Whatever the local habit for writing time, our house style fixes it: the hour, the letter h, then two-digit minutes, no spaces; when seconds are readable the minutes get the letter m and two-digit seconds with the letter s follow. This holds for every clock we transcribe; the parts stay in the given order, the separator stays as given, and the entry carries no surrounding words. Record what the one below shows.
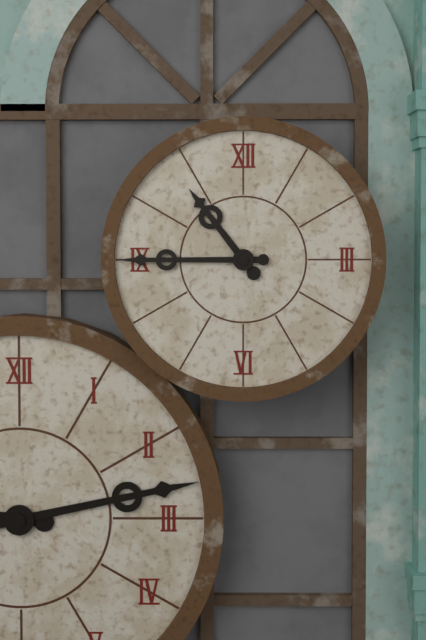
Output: 10h45
